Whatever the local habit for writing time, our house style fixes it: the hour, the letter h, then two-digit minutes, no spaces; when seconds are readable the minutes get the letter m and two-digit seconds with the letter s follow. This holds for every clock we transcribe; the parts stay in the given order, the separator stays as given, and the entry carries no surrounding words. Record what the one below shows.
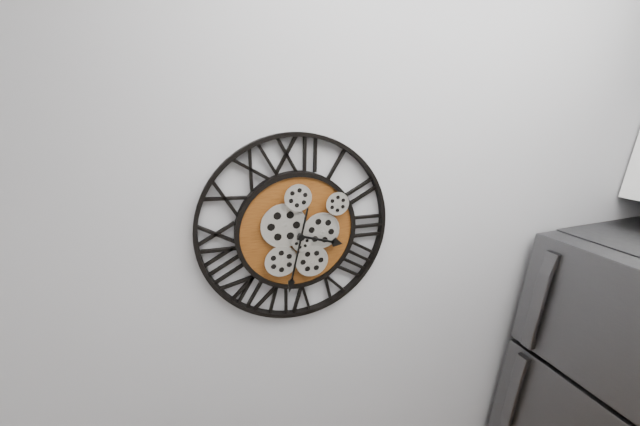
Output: 3h32
